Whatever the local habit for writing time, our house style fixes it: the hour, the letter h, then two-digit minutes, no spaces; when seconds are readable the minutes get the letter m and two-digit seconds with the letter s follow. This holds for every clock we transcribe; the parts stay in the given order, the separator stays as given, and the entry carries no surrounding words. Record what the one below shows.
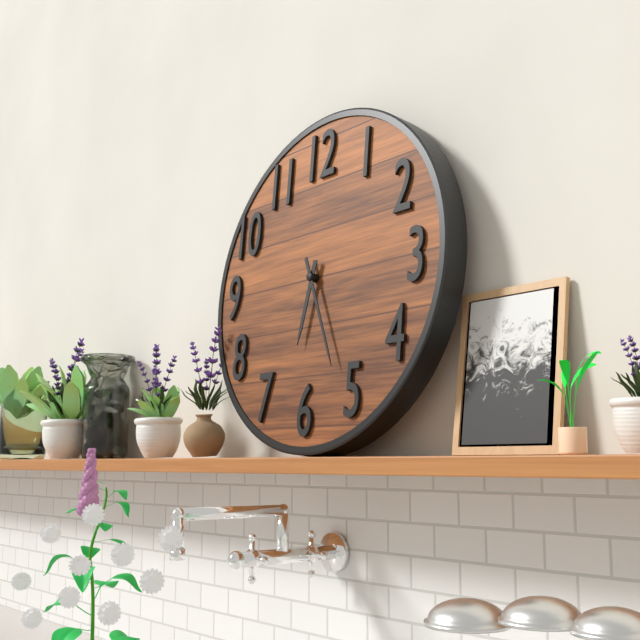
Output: 6h26
